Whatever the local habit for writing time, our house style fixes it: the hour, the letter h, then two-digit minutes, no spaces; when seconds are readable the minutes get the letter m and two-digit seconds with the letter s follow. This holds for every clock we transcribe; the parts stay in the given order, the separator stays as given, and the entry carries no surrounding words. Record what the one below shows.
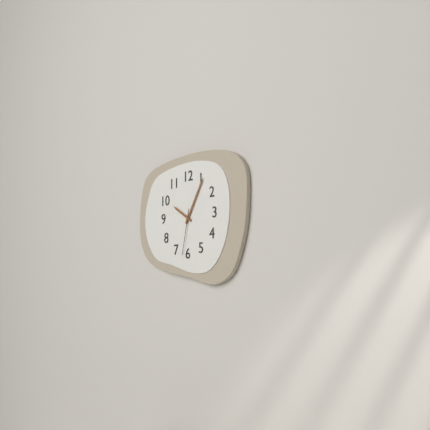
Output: 10h05
